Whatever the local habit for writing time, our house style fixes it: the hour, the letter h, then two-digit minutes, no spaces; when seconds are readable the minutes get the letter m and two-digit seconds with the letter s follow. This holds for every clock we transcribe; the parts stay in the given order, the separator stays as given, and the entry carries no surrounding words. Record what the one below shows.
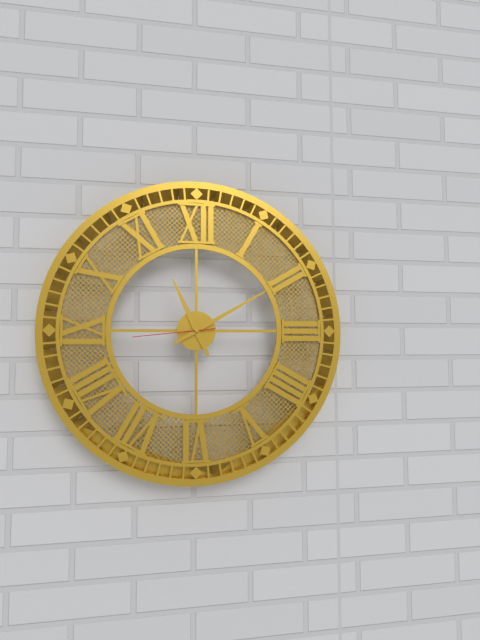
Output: 11h10m44s
